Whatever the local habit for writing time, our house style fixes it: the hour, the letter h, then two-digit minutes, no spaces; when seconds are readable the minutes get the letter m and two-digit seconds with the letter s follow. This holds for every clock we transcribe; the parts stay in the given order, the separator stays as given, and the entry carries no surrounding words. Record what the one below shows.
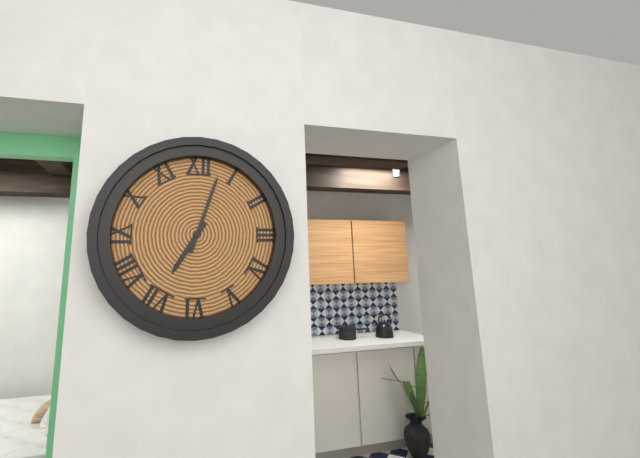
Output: 7h03
